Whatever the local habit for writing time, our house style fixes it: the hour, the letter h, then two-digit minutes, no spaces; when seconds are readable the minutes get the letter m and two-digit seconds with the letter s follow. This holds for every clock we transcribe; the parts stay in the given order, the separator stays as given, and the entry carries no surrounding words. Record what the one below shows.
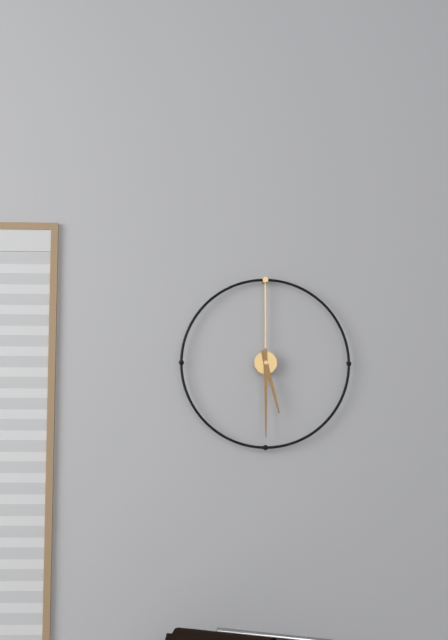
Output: 5h30
